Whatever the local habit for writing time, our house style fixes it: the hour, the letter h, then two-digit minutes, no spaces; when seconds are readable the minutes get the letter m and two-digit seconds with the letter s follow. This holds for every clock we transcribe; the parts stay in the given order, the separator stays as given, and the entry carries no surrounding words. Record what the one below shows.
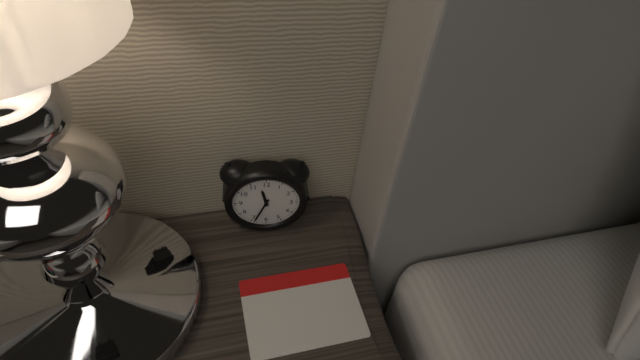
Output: 11h34
